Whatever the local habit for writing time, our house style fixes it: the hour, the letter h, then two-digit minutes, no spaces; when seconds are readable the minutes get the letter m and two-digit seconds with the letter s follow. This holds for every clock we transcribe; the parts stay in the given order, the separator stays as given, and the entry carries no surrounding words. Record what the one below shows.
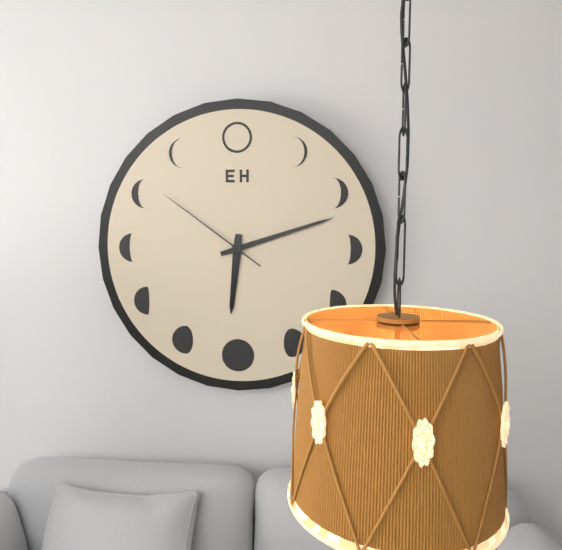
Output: 6h12m51s
